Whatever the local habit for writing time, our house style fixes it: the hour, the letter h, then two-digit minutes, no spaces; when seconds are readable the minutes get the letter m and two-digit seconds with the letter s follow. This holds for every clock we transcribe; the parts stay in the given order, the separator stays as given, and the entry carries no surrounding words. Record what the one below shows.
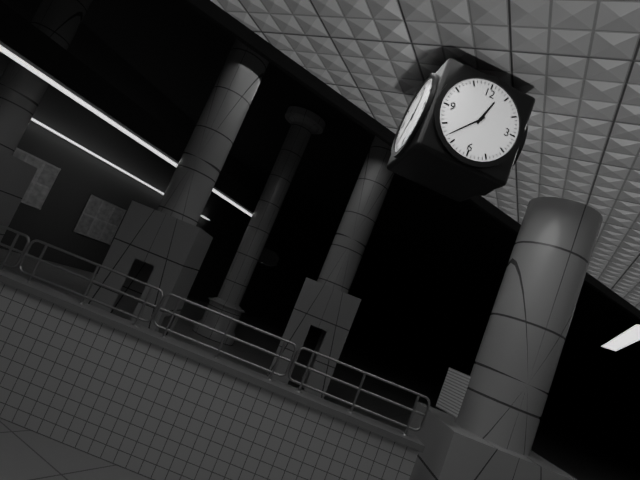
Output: 12h37
